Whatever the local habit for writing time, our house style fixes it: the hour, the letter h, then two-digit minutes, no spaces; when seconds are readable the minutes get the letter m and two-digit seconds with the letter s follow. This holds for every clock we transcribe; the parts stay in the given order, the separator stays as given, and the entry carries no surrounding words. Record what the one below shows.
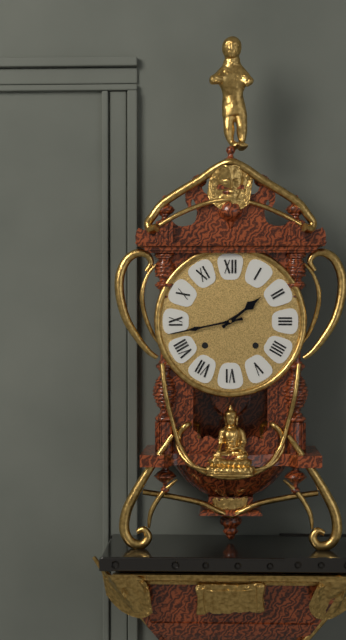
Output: 1h43
